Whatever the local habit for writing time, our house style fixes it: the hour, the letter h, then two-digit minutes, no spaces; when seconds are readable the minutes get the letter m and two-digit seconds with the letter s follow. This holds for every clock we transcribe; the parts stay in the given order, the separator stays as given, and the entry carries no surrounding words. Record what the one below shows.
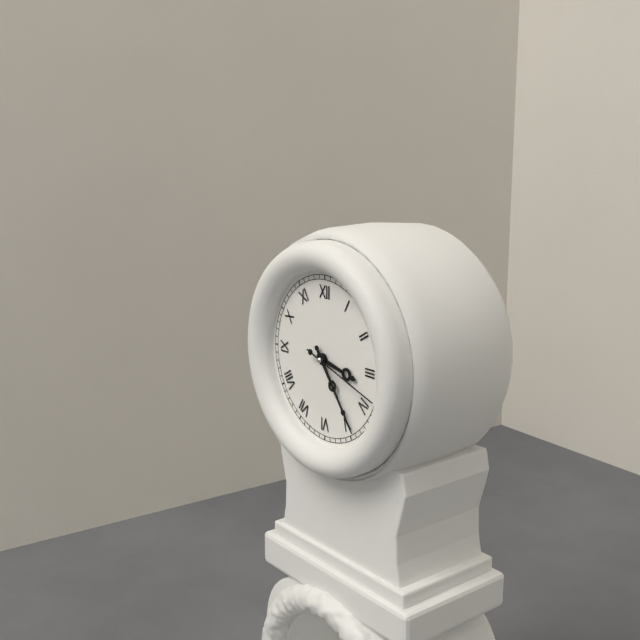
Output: 3h24m18s
